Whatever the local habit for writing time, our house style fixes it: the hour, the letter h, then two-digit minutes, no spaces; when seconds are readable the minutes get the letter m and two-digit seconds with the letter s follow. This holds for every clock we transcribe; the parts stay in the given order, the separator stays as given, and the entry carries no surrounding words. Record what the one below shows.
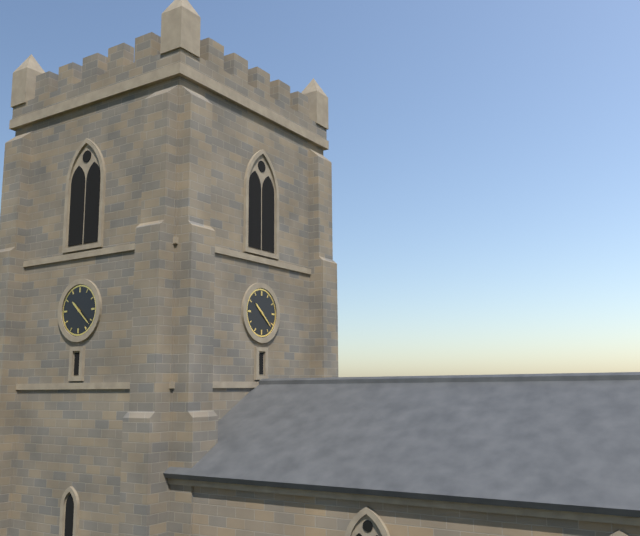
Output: 10h22
